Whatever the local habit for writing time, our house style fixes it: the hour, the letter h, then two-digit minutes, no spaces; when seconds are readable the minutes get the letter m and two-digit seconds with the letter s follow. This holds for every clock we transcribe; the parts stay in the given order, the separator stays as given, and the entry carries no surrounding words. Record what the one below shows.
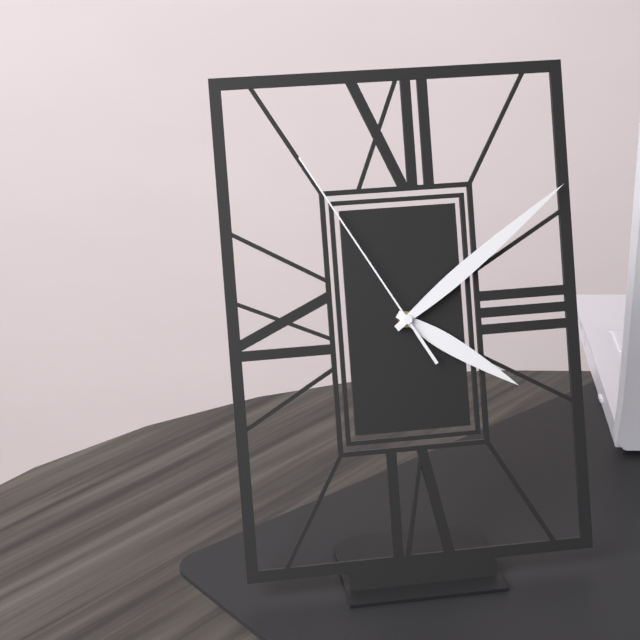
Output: 4h09m55s
